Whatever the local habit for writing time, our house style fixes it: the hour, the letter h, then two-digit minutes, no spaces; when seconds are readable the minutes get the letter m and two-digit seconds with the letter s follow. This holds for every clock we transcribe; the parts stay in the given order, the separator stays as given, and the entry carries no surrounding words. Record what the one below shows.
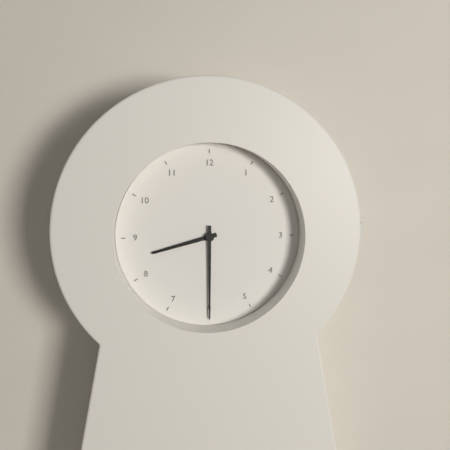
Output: 8h30
